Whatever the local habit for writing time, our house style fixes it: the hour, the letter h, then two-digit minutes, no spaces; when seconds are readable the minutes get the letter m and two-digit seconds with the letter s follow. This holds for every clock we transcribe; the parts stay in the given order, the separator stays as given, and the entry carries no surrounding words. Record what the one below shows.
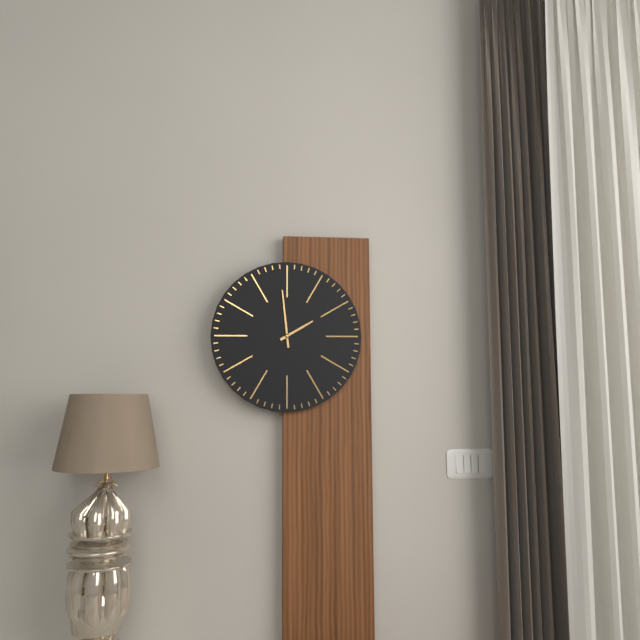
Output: 1h59
